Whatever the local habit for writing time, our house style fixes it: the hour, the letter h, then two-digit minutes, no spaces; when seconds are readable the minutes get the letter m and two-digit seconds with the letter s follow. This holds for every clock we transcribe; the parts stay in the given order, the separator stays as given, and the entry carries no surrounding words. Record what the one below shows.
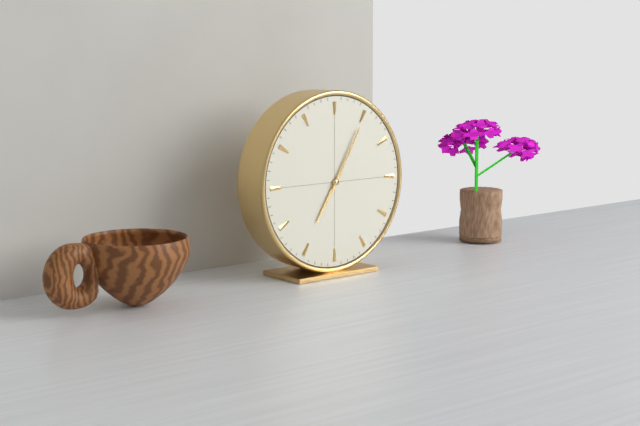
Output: 7h05
